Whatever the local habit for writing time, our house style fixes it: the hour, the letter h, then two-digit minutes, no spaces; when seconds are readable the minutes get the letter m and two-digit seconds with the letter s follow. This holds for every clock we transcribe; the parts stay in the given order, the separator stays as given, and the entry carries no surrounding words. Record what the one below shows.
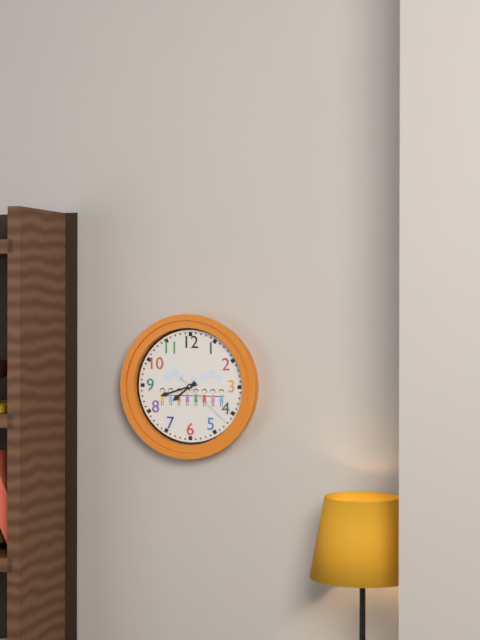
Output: 7h42m22s
